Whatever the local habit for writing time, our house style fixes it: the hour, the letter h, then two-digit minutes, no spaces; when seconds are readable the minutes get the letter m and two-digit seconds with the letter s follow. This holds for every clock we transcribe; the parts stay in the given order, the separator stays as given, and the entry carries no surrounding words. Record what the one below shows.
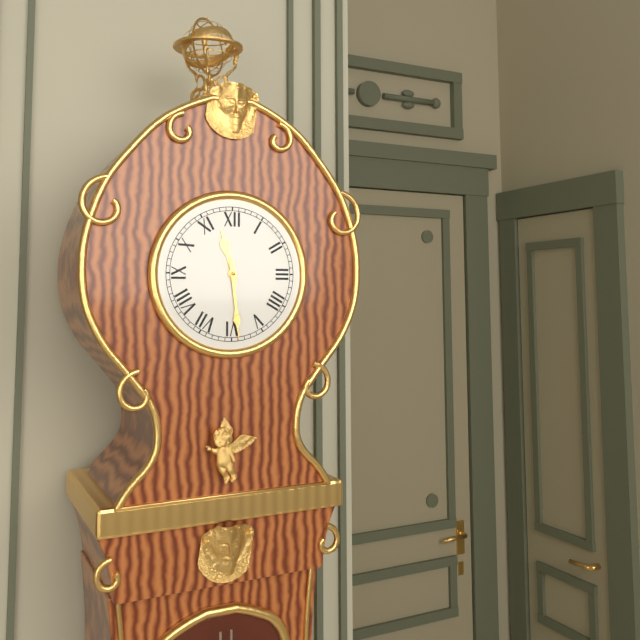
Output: 11h29
